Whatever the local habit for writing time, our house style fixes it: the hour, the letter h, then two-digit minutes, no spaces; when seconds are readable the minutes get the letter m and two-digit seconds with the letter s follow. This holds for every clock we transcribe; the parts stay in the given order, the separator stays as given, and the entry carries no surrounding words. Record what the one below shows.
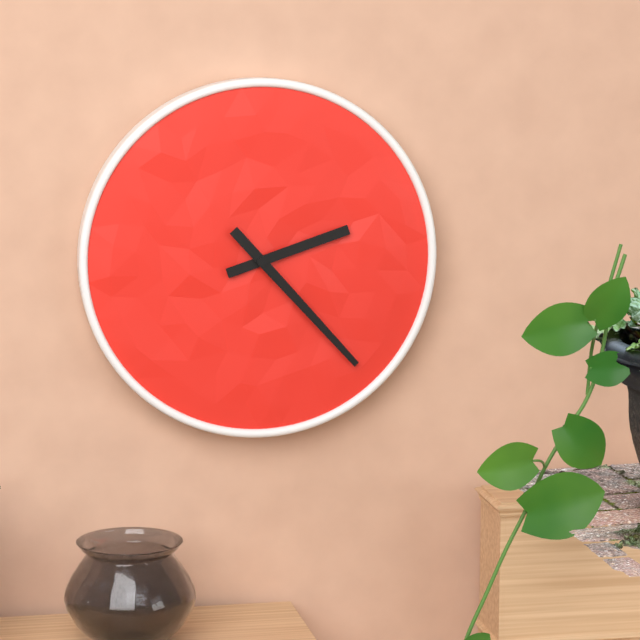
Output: 2h23
